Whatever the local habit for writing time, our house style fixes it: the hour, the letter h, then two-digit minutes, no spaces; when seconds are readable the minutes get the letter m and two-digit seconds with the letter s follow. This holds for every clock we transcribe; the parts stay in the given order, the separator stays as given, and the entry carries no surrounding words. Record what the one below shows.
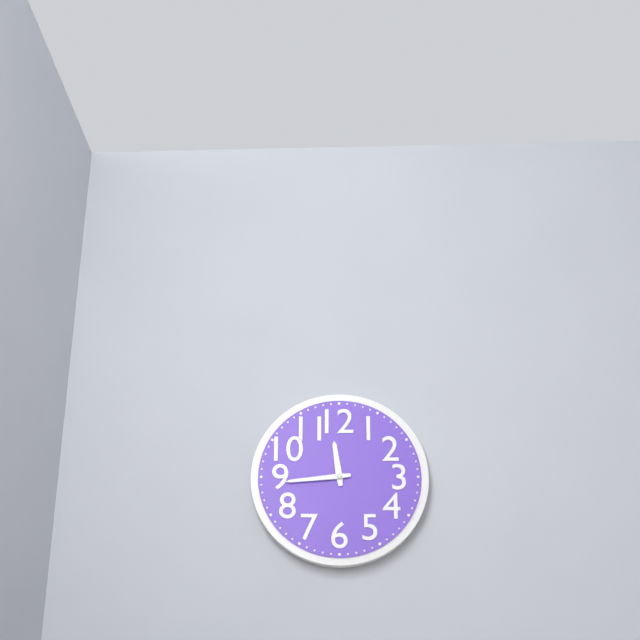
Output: 11h44
